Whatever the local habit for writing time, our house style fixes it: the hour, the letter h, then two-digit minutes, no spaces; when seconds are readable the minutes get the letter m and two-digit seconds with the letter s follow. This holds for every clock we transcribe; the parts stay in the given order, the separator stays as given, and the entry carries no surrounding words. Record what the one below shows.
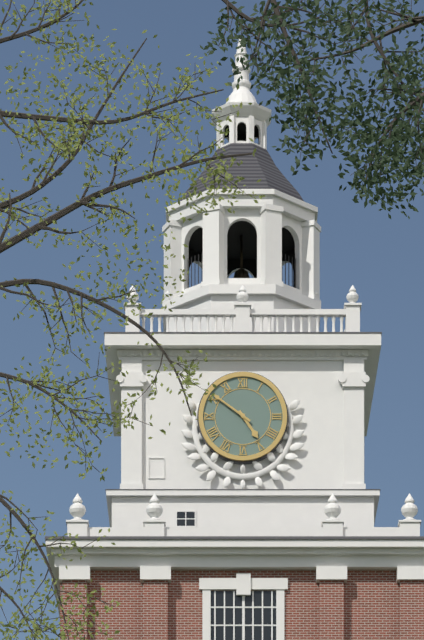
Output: 4h51
